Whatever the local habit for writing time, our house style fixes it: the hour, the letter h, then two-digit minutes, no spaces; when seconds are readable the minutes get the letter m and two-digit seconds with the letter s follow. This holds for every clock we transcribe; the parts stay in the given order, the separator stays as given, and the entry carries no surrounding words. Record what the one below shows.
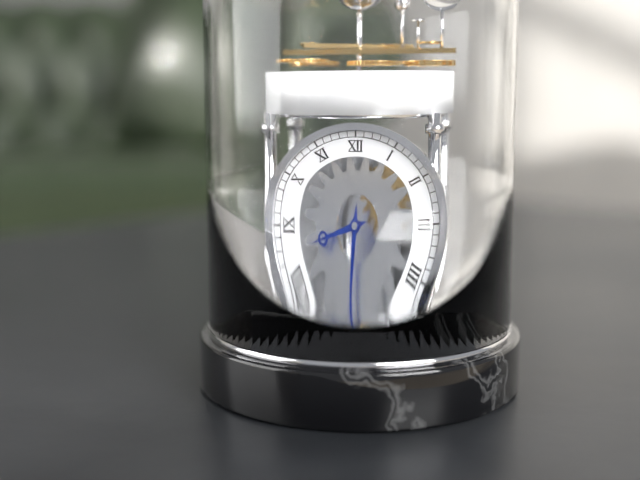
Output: 8h31
